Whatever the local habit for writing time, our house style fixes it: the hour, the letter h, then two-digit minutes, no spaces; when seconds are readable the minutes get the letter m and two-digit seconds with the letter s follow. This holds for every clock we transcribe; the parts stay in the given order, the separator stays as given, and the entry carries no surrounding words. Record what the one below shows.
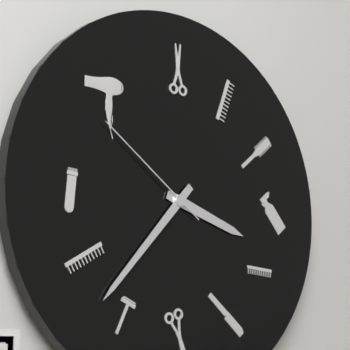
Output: 3h37m51s
